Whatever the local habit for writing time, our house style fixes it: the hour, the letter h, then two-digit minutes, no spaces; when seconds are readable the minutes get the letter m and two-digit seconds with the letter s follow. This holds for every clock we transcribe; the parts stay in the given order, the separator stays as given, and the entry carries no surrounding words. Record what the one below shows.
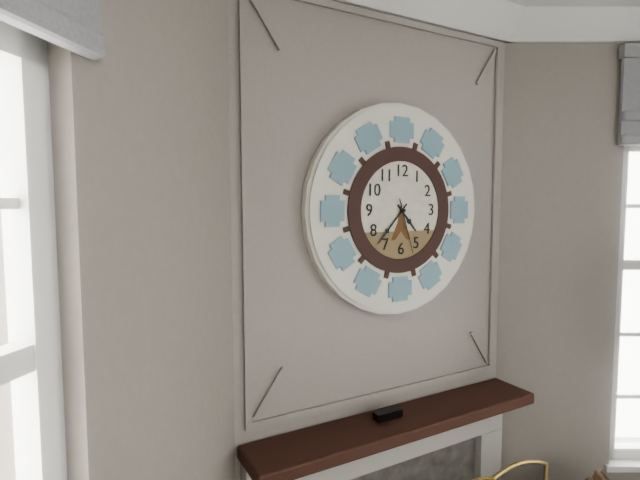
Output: 4h37m27s
